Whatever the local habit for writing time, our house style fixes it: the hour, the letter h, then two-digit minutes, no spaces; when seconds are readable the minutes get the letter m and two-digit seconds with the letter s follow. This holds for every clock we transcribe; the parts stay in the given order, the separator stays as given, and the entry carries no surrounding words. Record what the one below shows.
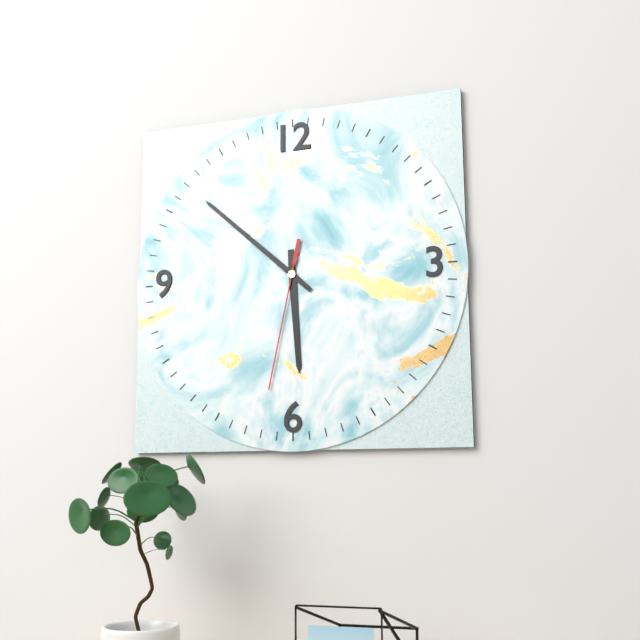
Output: 5h52m32s
